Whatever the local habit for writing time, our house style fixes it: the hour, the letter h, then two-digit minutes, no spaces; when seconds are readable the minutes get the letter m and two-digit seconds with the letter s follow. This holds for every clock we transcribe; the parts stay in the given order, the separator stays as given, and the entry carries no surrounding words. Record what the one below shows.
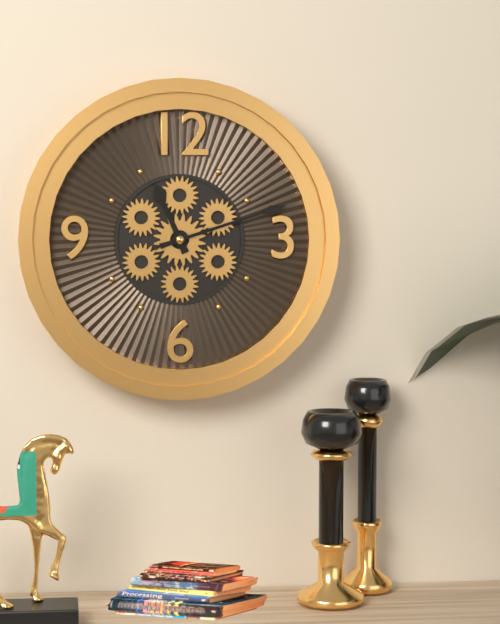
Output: 11h12
